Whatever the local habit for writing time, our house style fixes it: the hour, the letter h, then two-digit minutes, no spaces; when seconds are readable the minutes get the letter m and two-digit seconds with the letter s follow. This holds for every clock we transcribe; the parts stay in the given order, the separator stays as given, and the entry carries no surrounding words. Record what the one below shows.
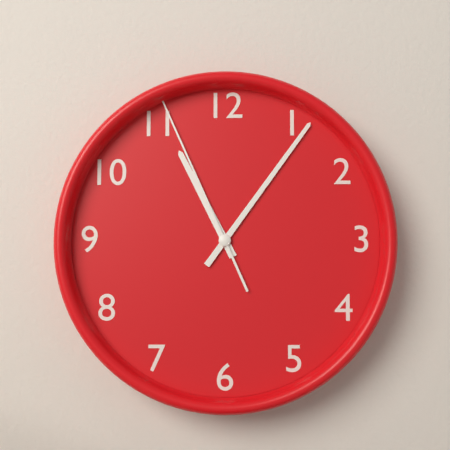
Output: 11h06m56s
